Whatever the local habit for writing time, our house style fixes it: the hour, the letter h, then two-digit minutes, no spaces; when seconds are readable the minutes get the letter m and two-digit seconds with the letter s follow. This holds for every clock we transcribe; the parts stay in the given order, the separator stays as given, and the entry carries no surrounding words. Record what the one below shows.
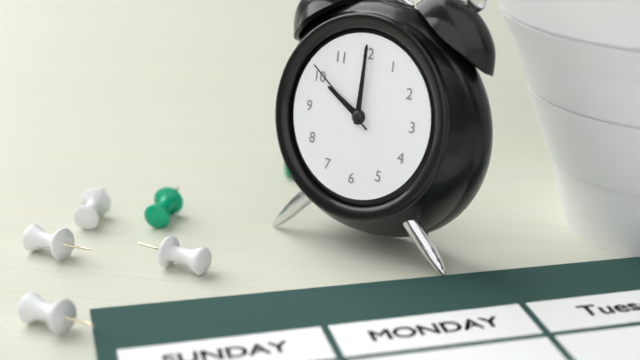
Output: 10h00m51s
